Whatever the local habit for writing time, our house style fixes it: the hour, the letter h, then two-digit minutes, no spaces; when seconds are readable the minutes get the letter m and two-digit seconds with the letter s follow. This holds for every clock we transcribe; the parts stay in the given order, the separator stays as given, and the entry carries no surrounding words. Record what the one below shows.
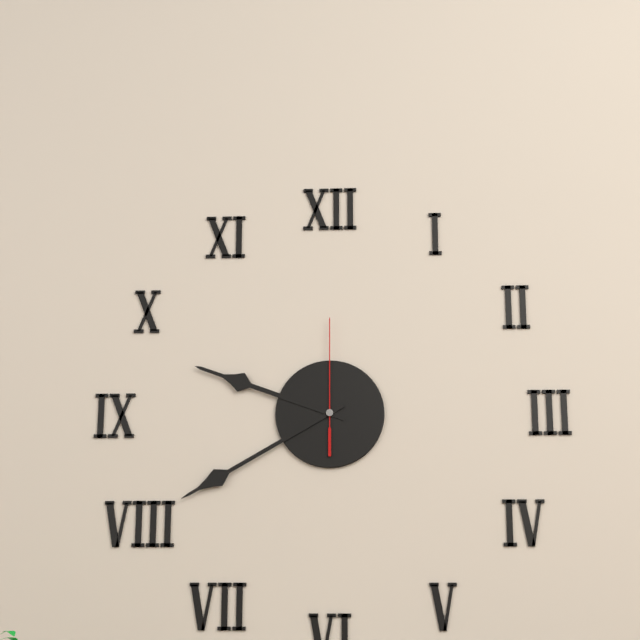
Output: 9h40m00s
